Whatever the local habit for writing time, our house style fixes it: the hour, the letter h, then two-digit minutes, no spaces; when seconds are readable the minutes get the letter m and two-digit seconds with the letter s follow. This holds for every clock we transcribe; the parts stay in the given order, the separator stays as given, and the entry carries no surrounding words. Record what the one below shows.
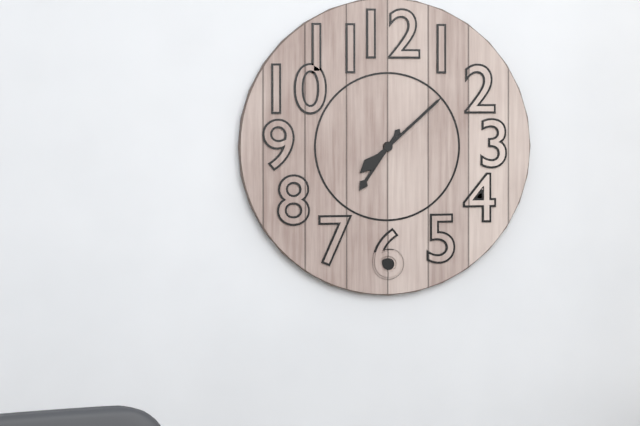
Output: 7h08
